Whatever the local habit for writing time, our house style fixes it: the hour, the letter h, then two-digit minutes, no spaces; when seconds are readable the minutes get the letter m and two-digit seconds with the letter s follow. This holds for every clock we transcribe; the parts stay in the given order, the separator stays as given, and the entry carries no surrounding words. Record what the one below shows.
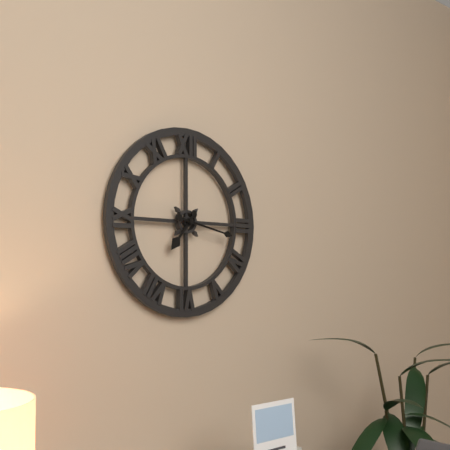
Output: 7h17
